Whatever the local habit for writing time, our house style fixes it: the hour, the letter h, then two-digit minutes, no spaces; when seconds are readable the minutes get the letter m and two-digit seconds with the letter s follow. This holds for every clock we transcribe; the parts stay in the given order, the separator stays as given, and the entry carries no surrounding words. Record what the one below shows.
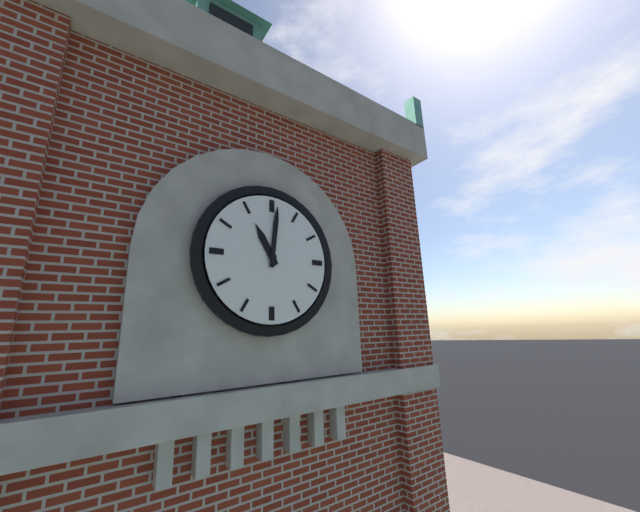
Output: 11h01
